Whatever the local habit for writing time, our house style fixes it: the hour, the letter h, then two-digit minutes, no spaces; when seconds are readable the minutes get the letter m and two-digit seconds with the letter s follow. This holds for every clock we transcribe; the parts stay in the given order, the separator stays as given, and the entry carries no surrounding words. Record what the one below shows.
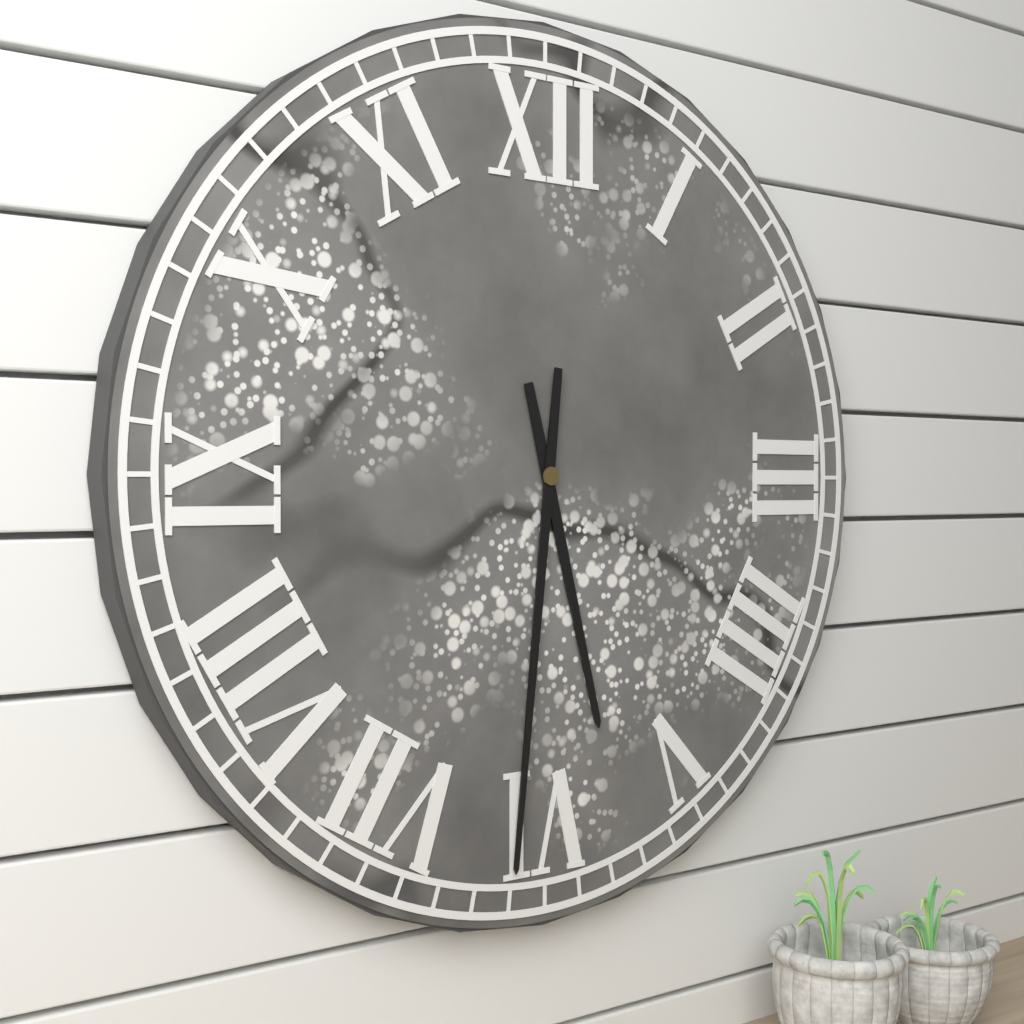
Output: 5h31
